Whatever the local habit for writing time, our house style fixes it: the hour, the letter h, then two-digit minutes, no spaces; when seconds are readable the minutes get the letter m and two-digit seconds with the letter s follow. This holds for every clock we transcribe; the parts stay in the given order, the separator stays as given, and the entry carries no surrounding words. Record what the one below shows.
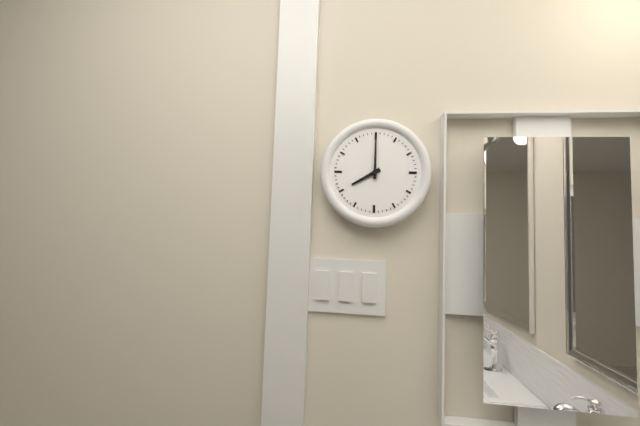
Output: 8h00
